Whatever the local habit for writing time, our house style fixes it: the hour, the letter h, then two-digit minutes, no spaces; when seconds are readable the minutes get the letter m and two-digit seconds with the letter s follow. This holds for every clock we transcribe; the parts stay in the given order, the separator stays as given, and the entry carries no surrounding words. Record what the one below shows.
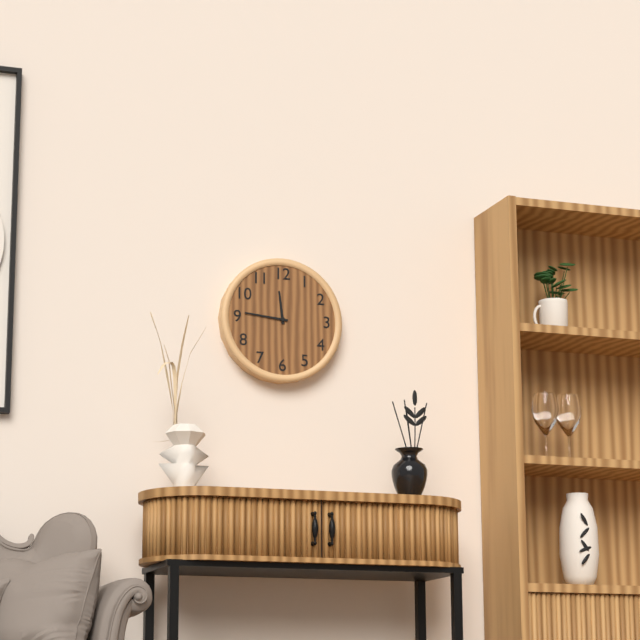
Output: 11h46
